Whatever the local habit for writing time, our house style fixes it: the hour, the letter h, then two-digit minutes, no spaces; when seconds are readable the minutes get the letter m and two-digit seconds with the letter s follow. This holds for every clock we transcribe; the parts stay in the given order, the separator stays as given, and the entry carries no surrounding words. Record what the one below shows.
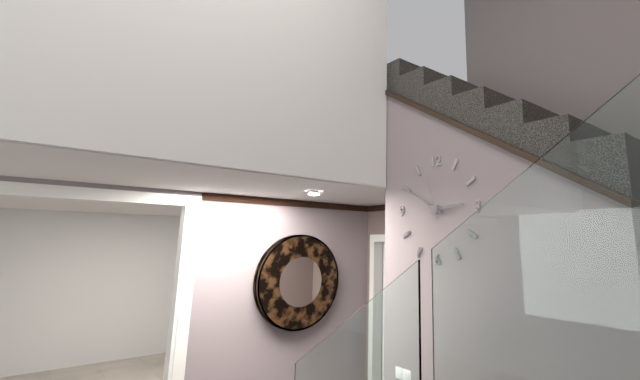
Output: 2h50
